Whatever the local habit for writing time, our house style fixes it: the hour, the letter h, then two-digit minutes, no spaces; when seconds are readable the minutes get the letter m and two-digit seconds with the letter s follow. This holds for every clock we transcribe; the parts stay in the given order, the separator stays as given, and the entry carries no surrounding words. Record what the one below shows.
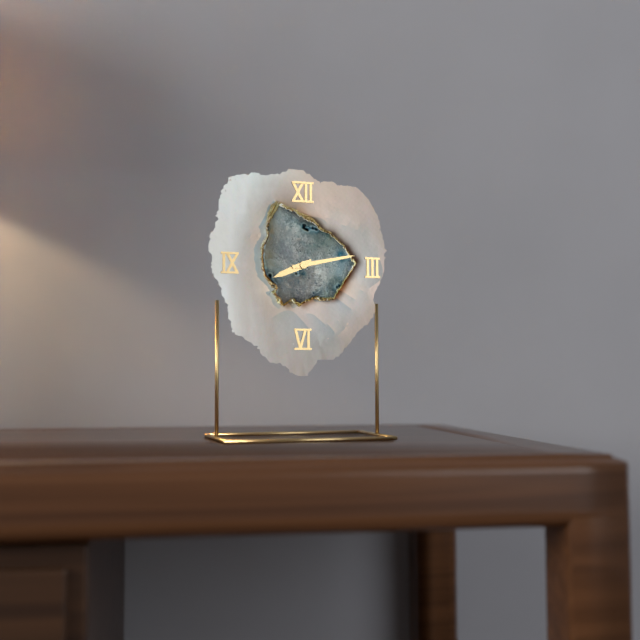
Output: 8h13
